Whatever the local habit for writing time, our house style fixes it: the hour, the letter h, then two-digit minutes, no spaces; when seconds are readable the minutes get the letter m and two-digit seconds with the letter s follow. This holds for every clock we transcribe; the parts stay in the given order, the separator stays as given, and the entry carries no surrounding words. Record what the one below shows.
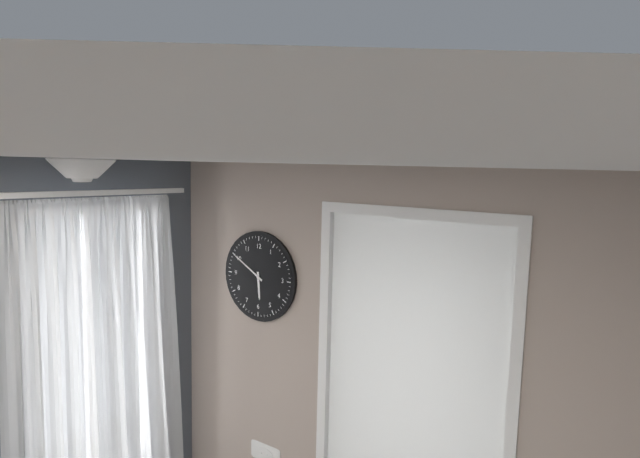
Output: 5h50
